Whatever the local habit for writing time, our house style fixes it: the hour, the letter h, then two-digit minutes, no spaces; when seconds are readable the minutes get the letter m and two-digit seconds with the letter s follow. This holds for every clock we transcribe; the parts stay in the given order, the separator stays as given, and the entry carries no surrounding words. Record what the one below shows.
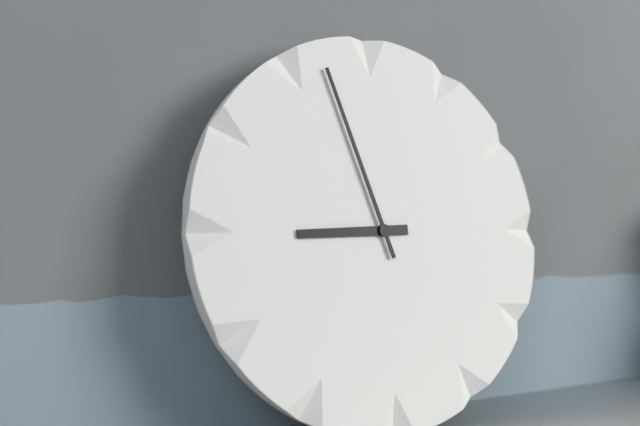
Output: 8h57
